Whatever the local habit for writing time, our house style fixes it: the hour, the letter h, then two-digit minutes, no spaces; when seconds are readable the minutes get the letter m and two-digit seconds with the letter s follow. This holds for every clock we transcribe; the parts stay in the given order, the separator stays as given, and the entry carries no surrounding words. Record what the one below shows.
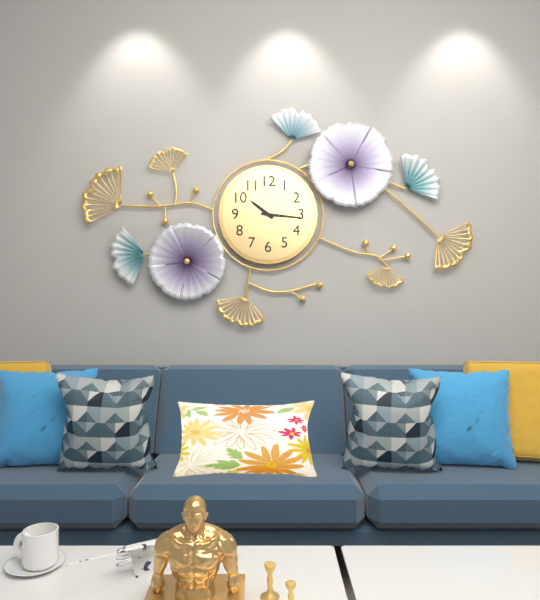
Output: 10h16
